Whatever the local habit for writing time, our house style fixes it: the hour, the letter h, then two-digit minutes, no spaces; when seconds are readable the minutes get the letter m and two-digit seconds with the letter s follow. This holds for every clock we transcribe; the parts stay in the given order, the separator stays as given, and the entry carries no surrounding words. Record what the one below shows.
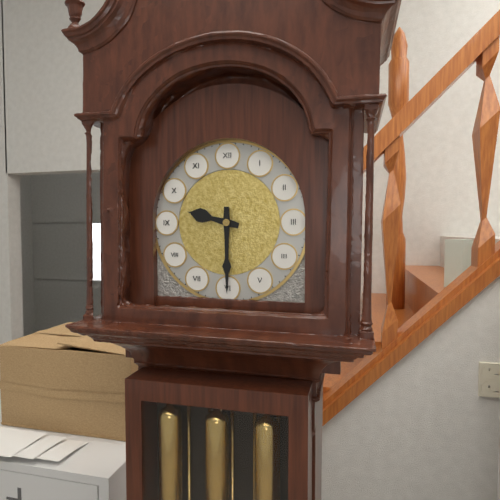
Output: 9h30
